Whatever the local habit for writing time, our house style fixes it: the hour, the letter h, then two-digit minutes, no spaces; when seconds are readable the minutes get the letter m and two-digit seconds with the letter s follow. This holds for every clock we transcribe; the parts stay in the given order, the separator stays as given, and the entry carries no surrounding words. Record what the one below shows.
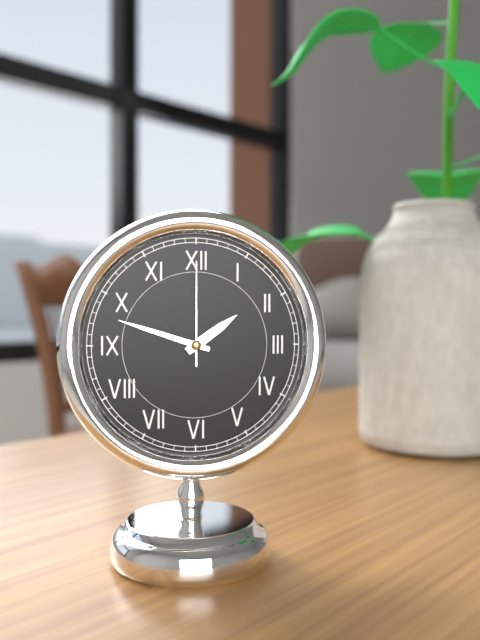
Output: 1h48m00s
